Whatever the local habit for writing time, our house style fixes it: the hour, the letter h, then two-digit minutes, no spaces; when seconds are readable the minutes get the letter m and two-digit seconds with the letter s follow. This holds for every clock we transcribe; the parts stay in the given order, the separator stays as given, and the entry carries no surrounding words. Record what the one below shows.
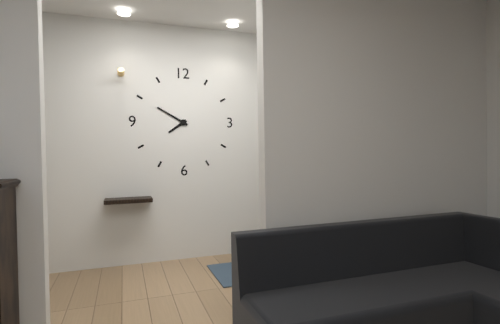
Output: 7h50
